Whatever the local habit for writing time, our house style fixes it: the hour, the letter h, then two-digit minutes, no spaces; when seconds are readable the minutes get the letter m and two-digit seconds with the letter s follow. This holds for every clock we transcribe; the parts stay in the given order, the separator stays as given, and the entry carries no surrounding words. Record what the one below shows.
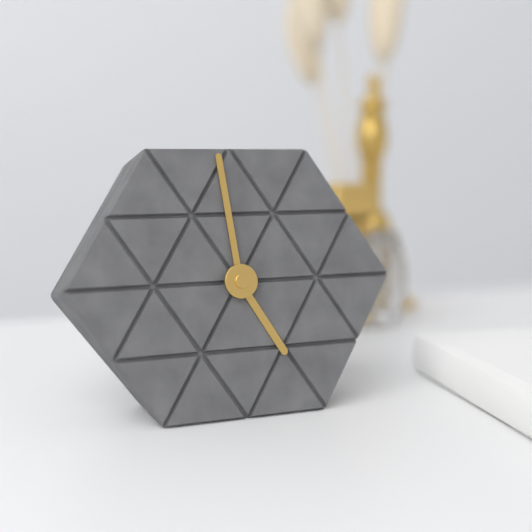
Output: 4h59
